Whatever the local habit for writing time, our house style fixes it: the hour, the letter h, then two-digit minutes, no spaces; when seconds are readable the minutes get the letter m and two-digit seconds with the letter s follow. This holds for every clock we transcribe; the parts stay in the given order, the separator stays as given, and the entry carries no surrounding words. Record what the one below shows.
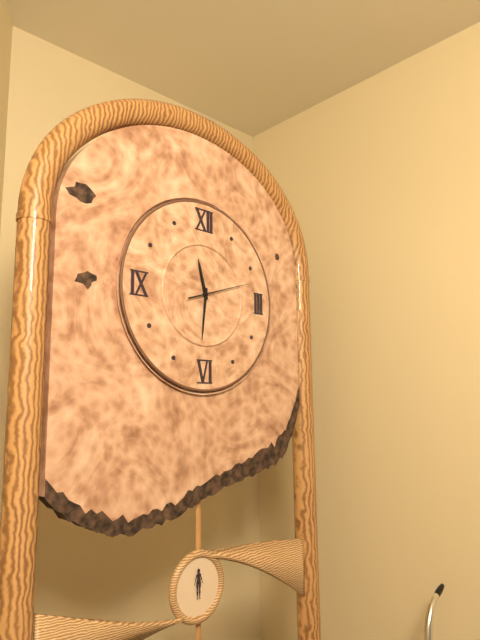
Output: 11h31m12s
